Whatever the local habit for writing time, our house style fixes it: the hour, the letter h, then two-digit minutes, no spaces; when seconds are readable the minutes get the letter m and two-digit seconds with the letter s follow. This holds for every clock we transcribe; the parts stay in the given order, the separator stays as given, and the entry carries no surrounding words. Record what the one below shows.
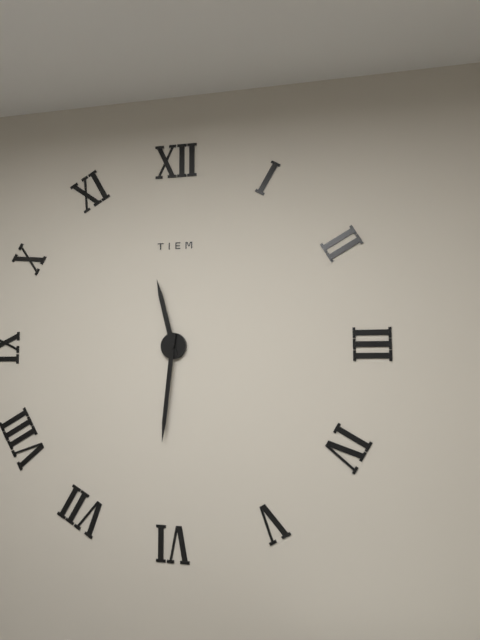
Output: 11h31
